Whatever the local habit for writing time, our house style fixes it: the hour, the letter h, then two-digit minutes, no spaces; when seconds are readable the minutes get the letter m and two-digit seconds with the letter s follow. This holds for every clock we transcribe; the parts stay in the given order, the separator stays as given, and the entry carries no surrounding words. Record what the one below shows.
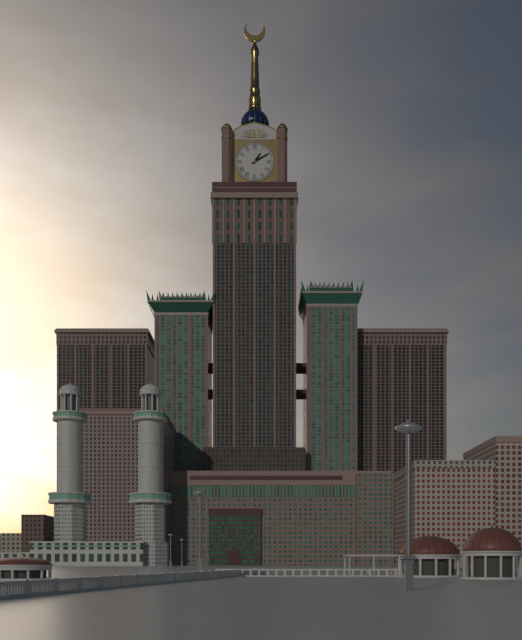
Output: 1h10
